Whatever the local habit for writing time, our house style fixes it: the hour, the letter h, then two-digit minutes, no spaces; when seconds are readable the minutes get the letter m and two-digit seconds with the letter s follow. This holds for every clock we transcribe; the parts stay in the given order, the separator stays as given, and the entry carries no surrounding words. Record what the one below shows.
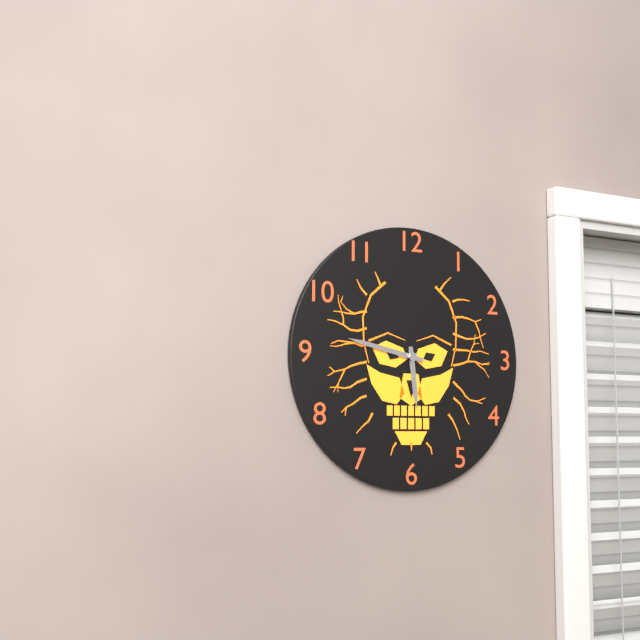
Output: 5h47
